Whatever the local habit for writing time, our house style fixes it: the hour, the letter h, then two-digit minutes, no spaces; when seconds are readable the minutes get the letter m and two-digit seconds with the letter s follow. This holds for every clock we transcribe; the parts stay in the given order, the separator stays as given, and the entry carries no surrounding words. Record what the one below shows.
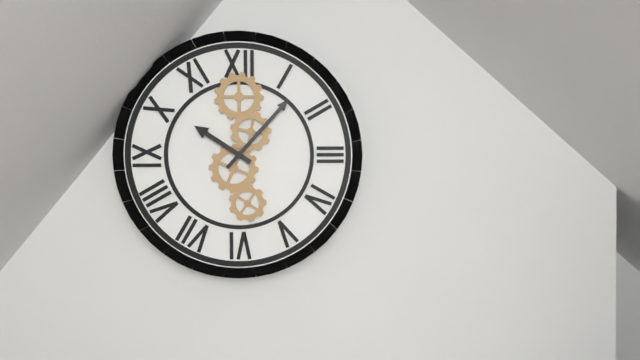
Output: 10h07
